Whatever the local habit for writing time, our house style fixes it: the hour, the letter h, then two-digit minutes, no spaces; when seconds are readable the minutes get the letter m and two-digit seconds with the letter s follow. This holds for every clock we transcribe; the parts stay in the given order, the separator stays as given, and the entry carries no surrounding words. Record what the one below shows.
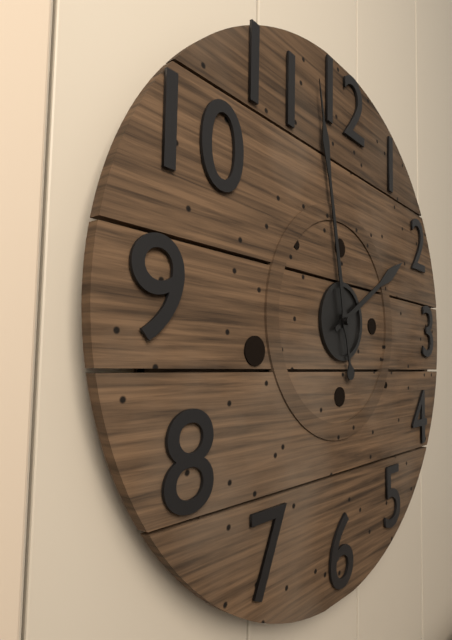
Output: 1h58
